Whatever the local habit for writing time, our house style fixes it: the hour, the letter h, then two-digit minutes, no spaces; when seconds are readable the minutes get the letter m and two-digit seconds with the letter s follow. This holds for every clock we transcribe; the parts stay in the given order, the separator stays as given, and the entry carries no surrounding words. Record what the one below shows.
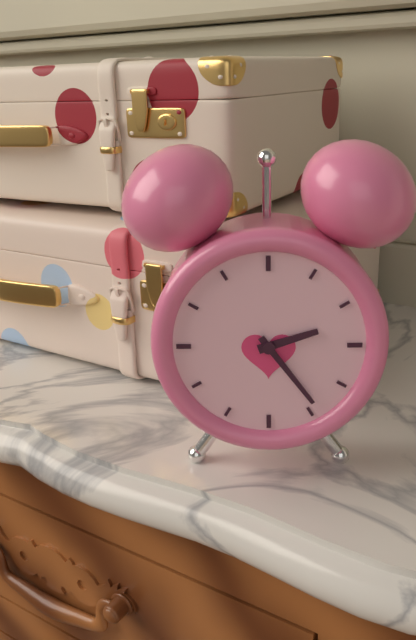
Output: 2h24
